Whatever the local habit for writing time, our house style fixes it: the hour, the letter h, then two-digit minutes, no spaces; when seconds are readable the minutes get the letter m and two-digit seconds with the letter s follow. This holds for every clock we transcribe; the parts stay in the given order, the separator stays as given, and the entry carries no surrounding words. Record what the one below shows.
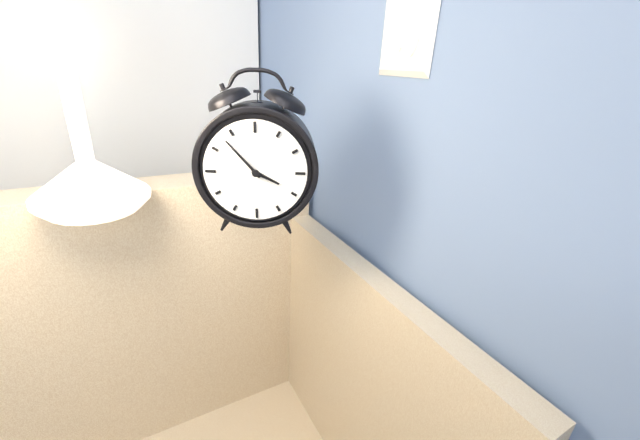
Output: 3h53
